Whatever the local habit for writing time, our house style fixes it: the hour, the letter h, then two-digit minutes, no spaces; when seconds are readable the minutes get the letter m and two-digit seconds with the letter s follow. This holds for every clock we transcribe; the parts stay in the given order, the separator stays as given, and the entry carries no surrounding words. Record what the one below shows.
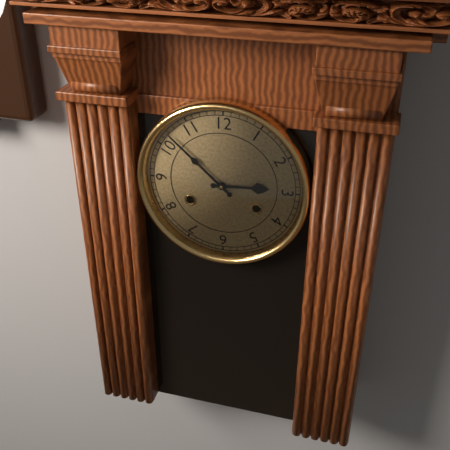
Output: 2h52
